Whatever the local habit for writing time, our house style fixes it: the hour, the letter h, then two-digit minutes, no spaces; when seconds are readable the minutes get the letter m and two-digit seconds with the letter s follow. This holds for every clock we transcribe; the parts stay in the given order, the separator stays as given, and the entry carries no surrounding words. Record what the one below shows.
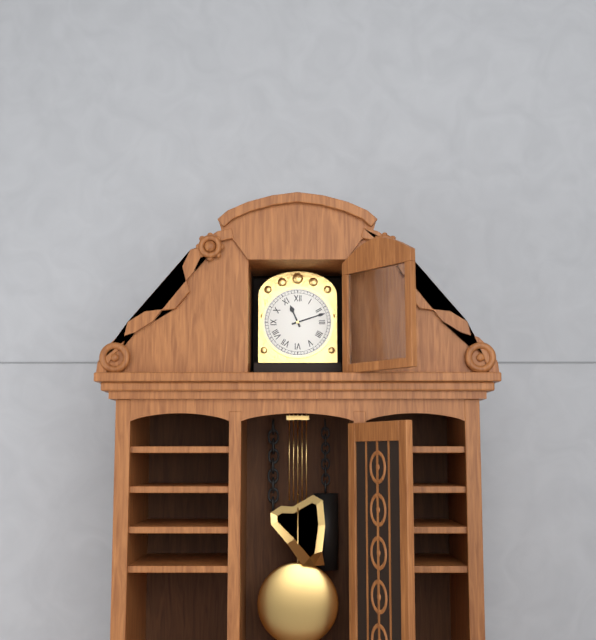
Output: 11h12
